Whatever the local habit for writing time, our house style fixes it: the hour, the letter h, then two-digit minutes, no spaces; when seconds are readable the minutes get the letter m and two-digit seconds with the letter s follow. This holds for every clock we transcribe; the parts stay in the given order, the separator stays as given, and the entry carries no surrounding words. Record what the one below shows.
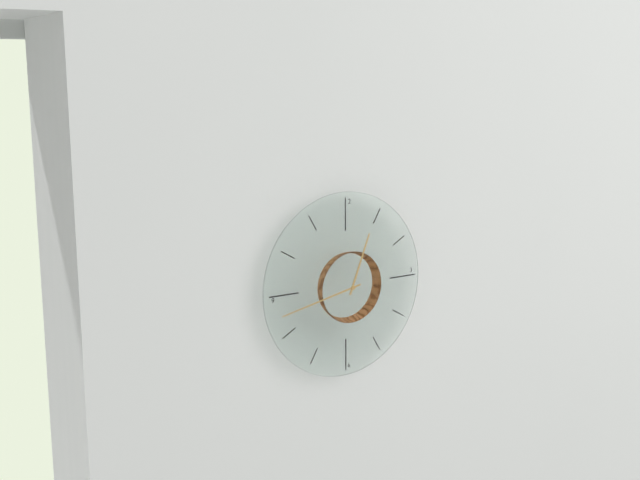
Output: 12h43
